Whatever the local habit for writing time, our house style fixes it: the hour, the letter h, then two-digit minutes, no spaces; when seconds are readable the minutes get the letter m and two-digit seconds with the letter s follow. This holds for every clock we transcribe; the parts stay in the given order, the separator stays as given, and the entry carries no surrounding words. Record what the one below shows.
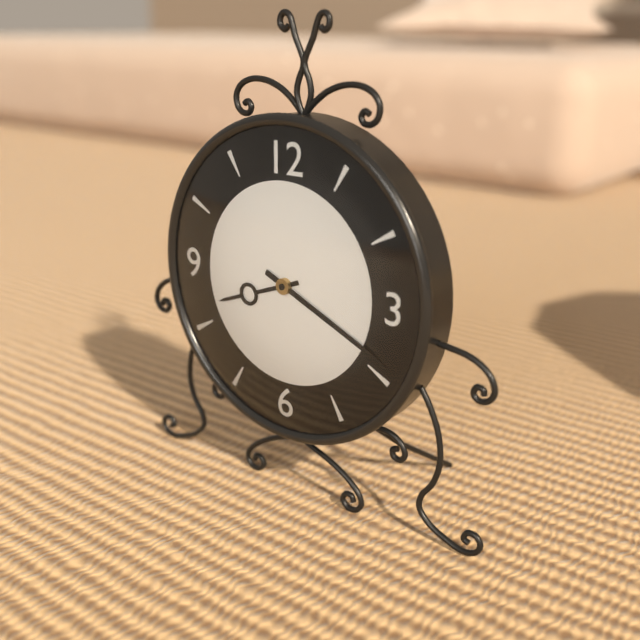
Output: 8h19
